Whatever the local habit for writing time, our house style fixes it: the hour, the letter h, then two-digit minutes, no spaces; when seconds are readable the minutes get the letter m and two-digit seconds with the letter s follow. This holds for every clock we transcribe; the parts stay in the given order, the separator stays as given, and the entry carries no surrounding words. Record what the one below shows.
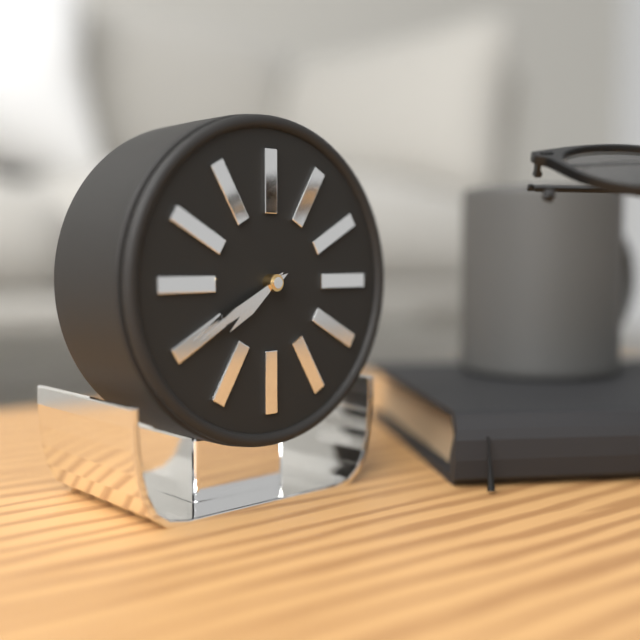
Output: 7h40
